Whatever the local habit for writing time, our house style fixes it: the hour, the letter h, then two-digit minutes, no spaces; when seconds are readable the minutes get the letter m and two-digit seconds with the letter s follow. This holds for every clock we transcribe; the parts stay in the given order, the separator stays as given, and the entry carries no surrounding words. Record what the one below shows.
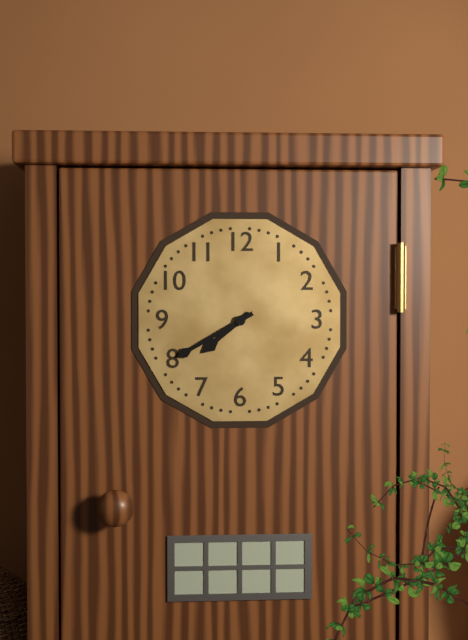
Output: 7h40
